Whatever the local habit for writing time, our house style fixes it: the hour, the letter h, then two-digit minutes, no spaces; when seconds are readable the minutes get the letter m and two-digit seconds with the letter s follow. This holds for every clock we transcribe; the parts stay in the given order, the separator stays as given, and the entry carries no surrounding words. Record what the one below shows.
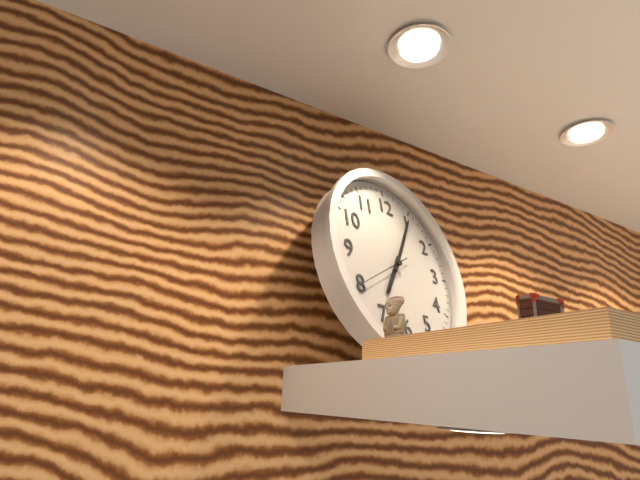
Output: 7h05m40s
